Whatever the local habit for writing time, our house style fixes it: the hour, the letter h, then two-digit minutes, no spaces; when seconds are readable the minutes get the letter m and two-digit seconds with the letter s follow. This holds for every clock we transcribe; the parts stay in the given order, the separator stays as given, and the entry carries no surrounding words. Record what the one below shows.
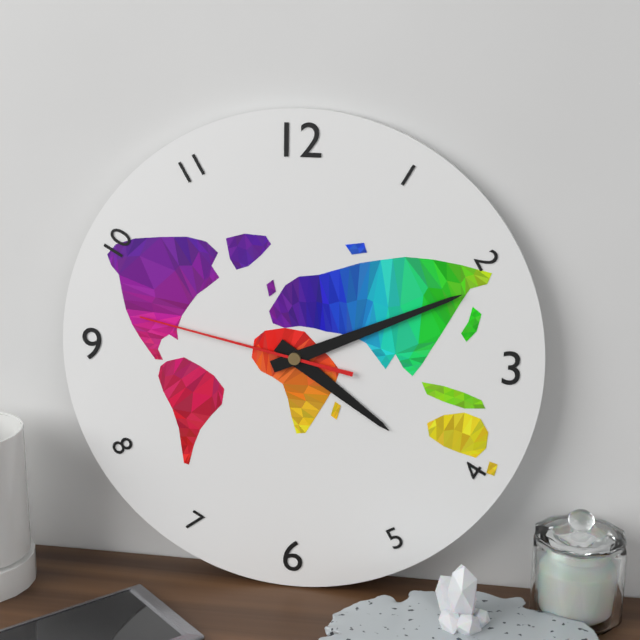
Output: 4h11m47s
